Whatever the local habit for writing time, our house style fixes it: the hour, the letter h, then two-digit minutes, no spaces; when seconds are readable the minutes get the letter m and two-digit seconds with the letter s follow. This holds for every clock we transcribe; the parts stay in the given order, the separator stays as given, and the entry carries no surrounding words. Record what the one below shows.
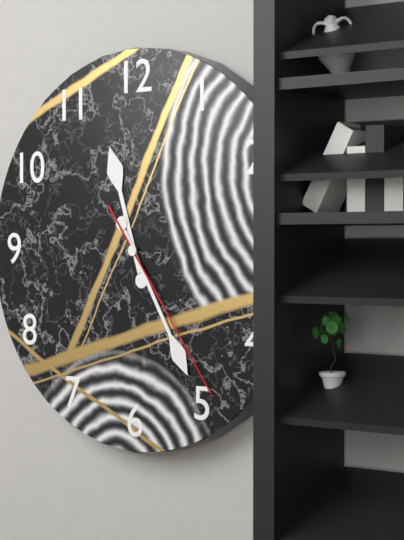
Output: 11h25m24s
